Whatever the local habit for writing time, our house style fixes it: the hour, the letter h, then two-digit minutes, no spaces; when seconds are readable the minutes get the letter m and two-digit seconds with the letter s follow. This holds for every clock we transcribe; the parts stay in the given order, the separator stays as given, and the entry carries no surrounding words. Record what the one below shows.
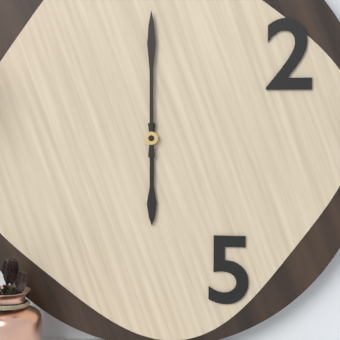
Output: 6h00
